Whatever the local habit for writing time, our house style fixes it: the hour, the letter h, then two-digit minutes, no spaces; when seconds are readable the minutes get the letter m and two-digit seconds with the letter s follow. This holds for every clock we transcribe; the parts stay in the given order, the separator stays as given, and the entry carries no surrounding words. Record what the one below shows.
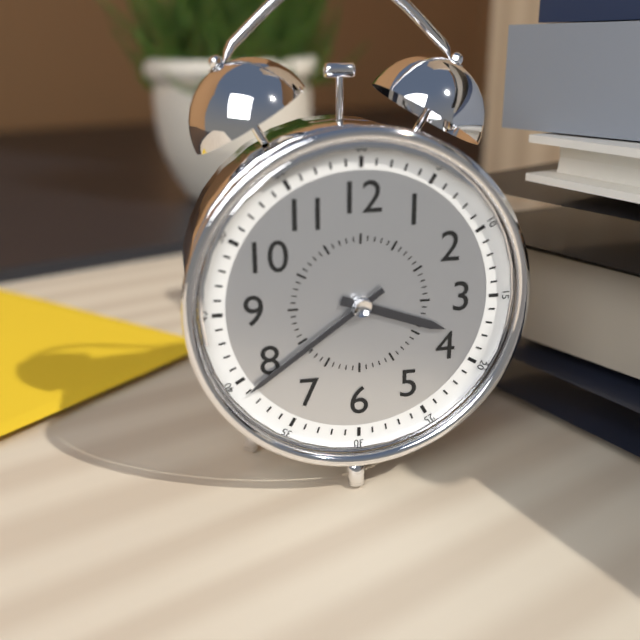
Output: 3h39
